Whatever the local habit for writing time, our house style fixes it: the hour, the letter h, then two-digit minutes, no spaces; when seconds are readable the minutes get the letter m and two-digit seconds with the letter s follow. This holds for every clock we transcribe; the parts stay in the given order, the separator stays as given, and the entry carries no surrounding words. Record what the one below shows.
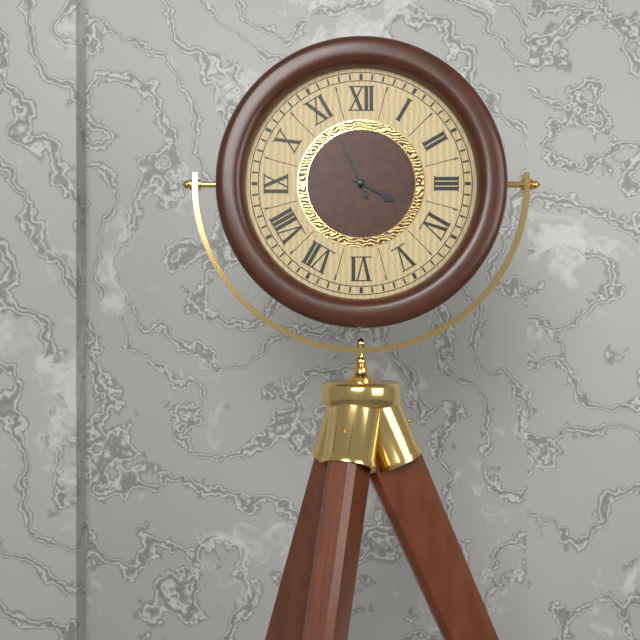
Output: 3h56
